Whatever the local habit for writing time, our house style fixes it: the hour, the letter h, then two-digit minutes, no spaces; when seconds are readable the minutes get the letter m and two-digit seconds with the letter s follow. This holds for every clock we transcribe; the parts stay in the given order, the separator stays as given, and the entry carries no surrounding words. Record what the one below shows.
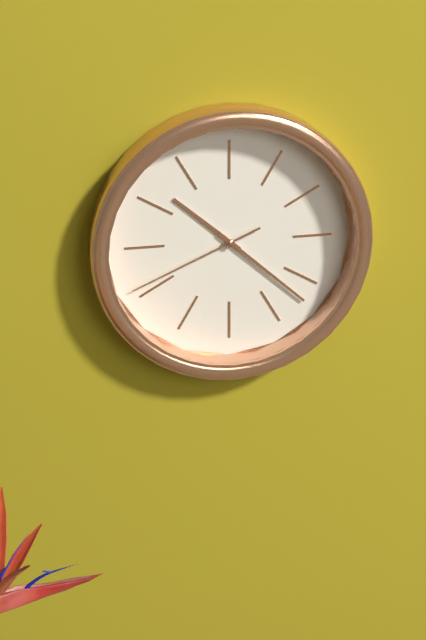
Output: 10h22m41s
